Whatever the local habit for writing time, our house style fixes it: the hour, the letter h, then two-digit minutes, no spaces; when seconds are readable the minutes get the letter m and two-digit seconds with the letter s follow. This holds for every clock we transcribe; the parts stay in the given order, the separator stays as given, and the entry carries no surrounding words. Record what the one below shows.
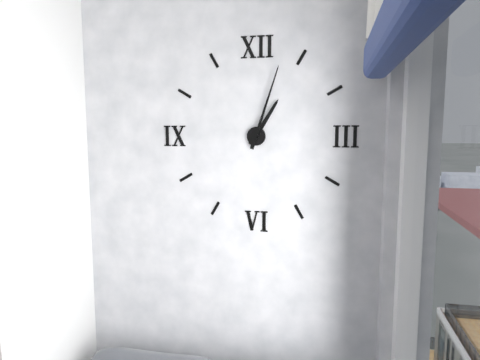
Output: 1h03
